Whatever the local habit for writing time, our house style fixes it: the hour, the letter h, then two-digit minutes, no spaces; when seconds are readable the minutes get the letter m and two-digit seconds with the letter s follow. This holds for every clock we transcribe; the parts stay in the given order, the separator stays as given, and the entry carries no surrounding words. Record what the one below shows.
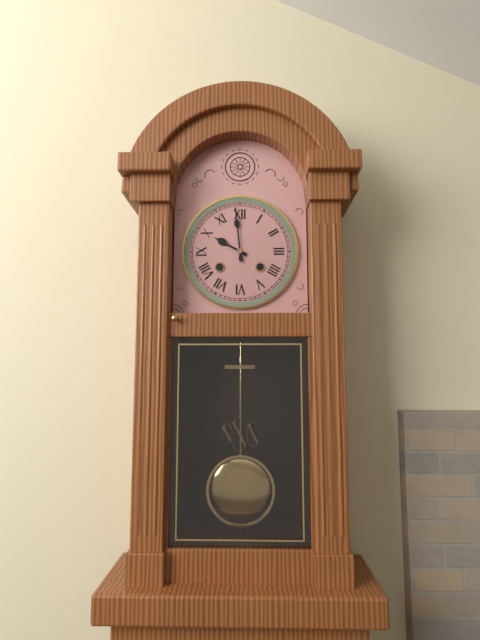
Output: 9h59
